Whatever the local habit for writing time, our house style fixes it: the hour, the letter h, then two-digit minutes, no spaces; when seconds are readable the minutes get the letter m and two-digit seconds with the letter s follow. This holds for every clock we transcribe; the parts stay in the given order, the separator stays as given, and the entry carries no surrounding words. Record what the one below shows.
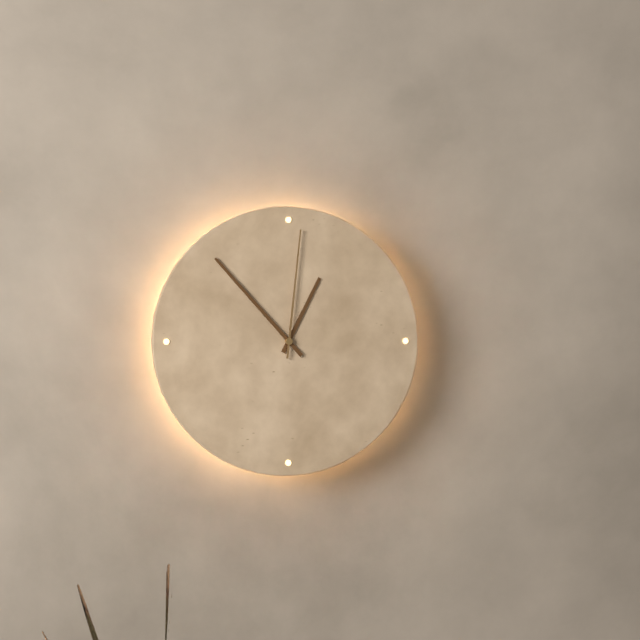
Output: 12h53m01s
